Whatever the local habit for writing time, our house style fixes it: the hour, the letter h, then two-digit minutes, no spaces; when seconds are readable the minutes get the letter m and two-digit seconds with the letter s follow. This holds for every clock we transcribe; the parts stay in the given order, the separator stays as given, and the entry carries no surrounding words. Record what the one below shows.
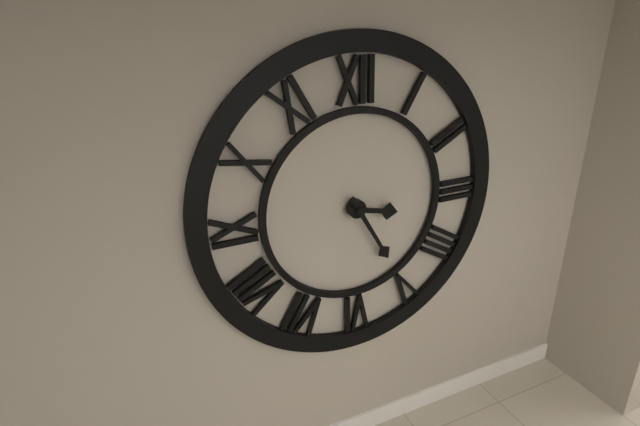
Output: 3h25
